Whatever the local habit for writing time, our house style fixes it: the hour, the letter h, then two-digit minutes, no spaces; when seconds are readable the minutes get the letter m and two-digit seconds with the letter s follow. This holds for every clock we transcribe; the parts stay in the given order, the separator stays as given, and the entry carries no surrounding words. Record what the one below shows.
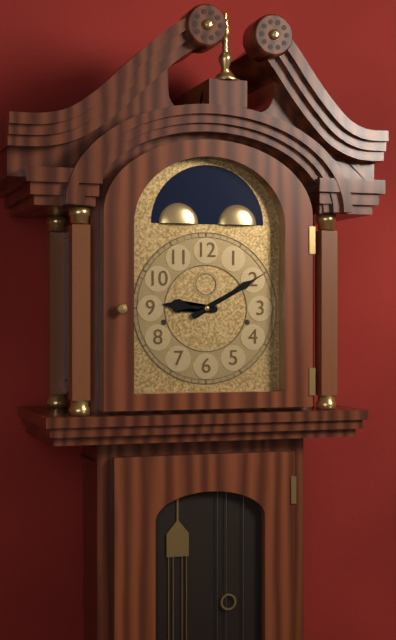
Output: 9h10
